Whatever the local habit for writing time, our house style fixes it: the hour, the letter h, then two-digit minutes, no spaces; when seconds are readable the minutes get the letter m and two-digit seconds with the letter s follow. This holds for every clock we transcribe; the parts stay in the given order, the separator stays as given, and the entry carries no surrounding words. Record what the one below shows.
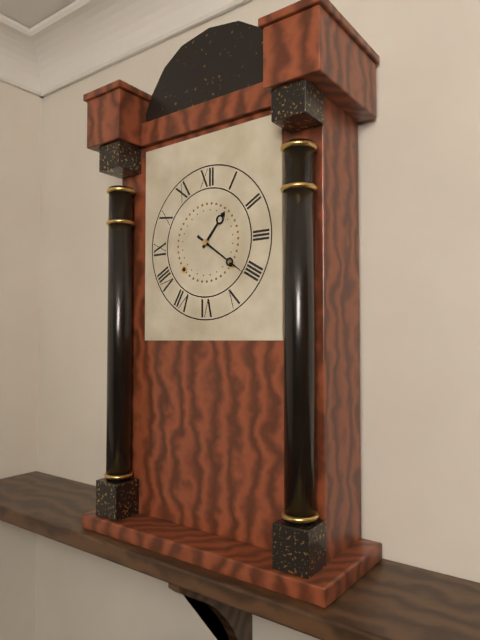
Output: 1h21
